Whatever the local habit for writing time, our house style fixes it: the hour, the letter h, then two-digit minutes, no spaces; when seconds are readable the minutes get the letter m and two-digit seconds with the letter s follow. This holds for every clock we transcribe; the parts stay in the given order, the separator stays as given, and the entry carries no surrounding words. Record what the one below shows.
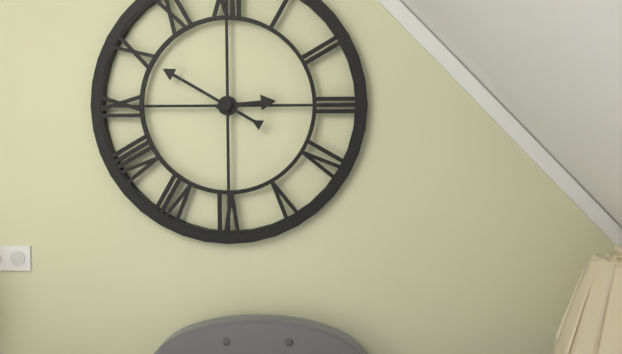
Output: 2h50
